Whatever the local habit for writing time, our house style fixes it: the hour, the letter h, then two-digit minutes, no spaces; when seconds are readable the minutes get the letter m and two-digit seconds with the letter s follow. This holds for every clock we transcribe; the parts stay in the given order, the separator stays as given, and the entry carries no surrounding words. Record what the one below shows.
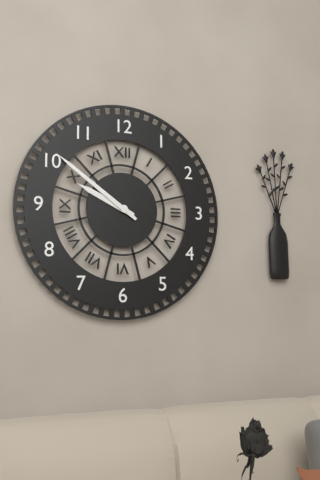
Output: 9h51
